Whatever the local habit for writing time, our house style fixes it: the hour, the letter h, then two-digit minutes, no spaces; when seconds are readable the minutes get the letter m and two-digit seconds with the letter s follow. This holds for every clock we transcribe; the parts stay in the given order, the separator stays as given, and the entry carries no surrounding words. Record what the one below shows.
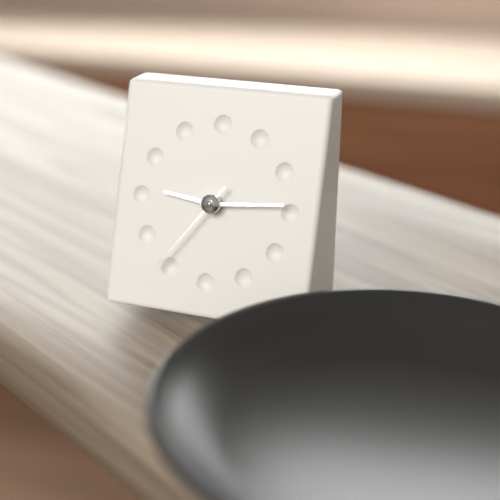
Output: 9h14m36s
